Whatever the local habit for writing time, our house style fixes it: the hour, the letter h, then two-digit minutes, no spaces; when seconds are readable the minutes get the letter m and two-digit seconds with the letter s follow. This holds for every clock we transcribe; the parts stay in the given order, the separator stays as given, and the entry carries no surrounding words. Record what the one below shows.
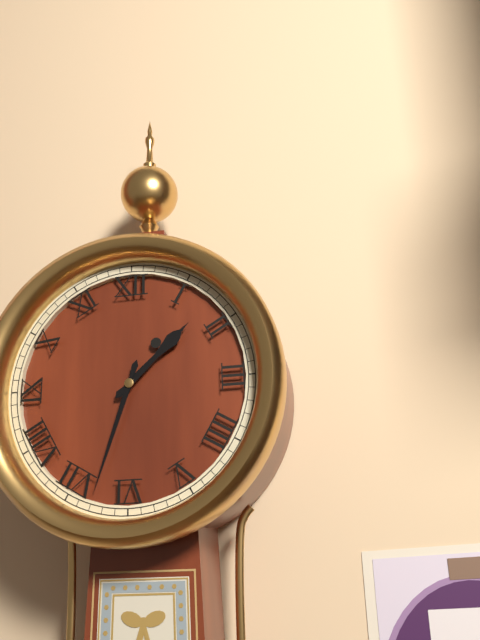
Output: 1h33
